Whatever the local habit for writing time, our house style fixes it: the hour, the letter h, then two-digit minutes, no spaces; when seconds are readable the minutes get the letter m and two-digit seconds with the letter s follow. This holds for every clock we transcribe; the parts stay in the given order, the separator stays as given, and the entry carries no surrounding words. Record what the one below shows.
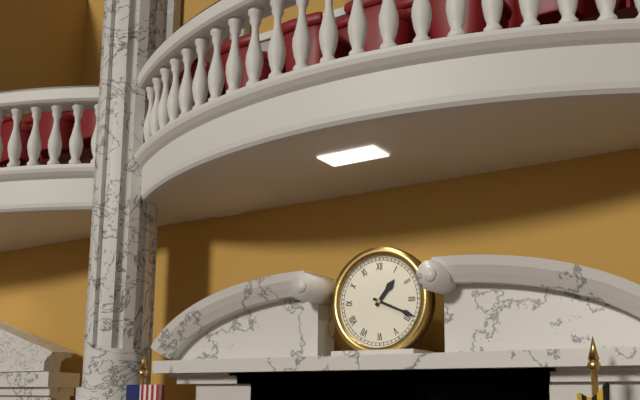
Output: 1h19
